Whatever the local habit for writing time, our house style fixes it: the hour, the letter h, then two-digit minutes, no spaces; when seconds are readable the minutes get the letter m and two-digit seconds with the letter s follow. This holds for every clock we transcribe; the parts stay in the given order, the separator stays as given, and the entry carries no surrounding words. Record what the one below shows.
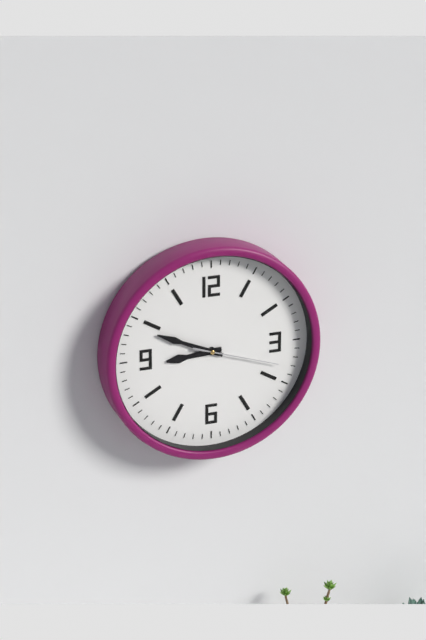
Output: 8h49m18s
